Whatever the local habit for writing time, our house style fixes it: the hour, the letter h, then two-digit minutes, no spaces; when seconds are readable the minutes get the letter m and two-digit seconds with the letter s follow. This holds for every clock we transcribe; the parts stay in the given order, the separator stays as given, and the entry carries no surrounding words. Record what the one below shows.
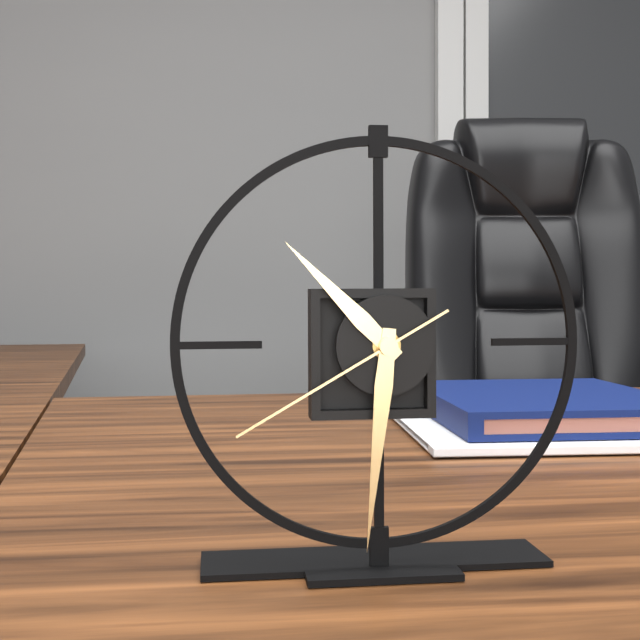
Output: 10h31m40s
